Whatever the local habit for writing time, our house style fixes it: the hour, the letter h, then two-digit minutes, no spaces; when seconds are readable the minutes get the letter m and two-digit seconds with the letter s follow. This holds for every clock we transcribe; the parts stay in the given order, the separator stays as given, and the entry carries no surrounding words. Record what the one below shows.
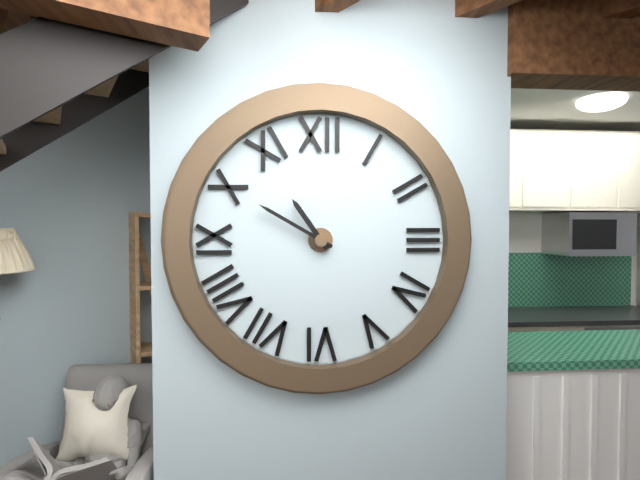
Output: 10h50
